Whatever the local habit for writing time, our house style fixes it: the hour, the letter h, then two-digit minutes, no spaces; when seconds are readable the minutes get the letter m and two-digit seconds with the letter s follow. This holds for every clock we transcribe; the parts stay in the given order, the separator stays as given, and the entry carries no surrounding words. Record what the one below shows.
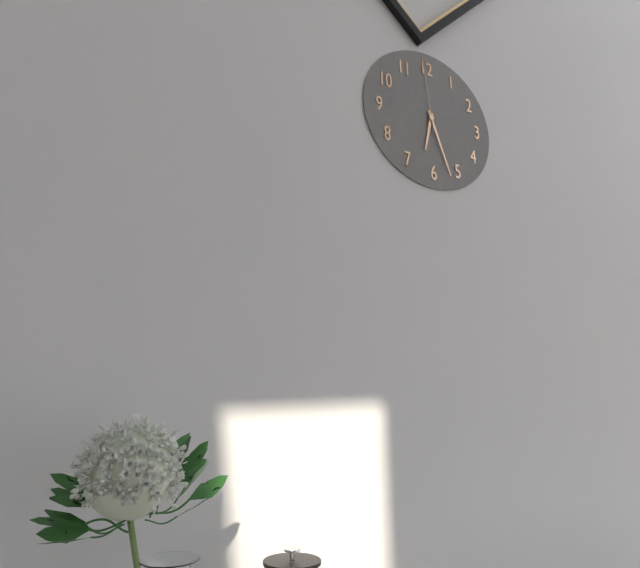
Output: 6h27m59s
